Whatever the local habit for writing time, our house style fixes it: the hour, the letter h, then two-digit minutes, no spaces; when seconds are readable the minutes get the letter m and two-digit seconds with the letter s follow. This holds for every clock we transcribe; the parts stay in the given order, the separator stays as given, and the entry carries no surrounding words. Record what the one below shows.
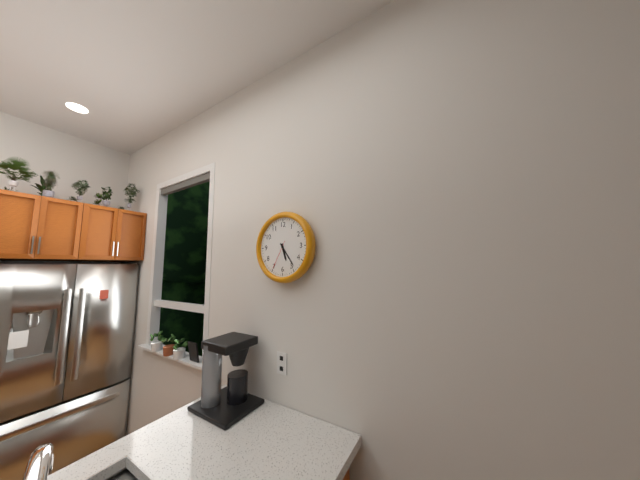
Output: 5h24
